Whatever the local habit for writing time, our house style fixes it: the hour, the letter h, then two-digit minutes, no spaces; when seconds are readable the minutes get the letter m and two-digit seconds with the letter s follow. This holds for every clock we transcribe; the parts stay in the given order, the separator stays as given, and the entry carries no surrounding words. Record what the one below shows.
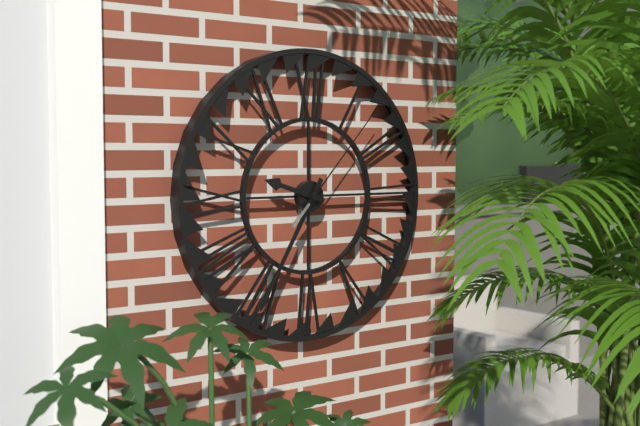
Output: 9h35m07s
